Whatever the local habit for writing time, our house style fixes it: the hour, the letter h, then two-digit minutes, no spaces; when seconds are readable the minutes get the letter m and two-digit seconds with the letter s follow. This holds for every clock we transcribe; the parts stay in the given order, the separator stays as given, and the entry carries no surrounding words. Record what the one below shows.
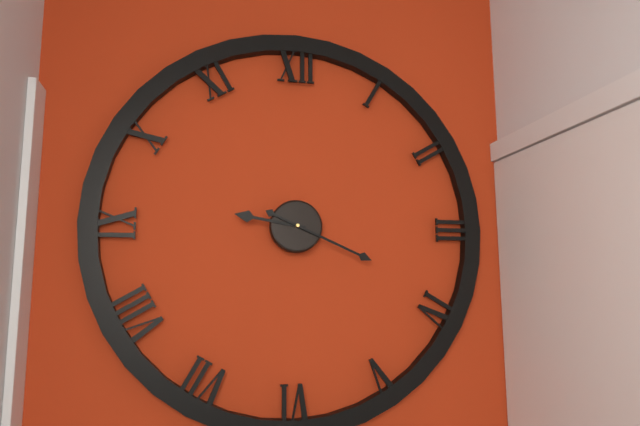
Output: 9h19
